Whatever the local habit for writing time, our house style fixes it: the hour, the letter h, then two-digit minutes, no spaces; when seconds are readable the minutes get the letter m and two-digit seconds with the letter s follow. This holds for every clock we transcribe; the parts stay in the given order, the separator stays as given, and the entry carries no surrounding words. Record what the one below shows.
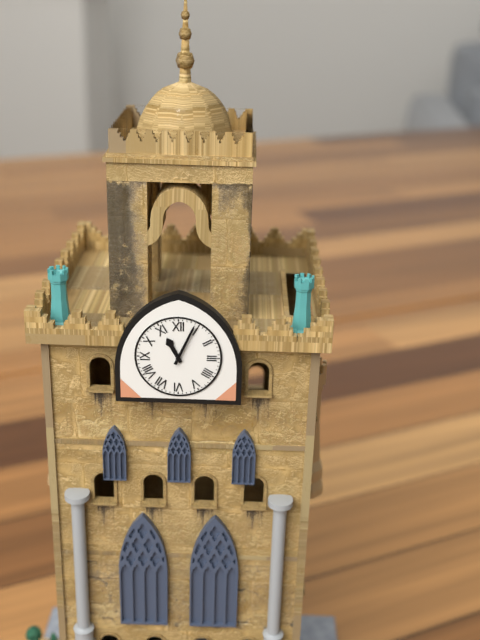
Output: 11h04
